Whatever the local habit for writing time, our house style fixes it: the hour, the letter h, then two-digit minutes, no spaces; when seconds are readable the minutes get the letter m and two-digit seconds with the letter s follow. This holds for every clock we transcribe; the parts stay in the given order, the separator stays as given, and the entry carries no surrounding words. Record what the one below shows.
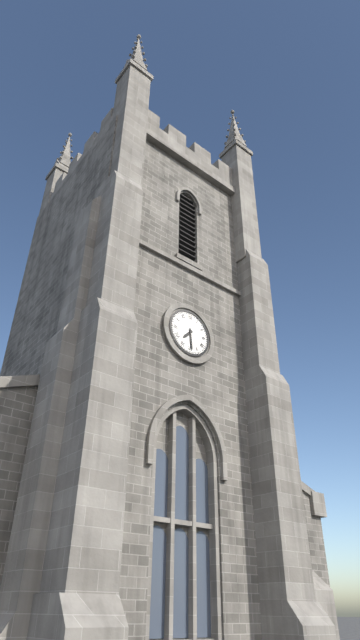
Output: 7h29
